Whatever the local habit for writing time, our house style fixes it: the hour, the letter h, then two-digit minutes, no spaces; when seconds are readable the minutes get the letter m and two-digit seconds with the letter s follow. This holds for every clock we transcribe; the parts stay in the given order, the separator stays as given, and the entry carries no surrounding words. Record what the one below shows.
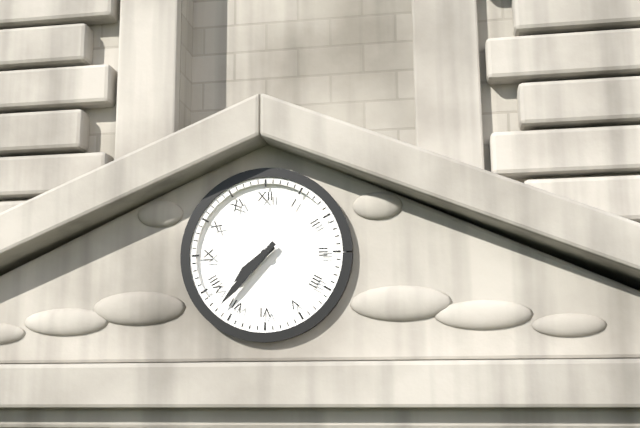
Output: 7h37
